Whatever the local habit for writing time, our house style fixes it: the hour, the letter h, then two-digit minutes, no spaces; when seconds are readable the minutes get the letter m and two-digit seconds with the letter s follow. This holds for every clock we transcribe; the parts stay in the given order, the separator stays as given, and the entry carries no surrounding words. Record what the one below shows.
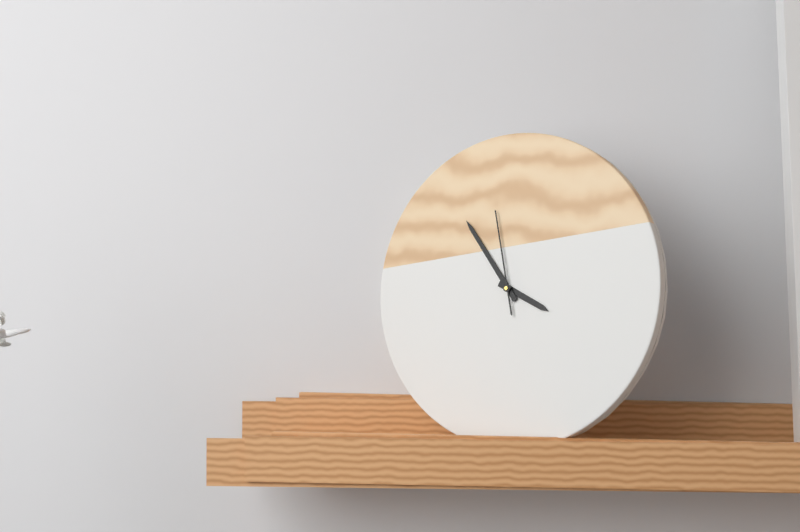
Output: 3h54m58s
